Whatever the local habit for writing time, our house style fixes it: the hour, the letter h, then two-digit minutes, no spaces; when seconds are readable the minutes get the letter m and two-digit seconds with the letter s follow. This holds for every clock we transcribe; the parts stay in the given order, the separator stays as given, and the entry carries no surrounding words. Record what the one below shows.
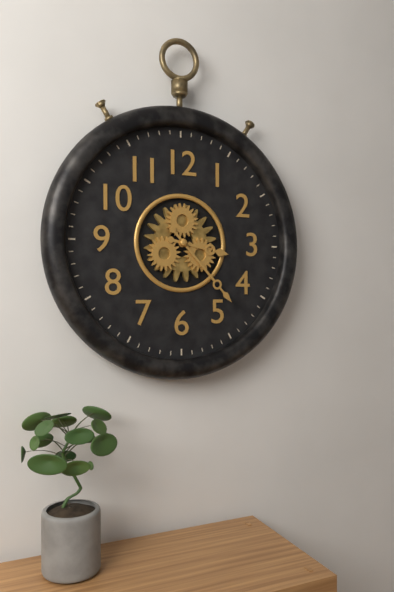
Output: 3h23
